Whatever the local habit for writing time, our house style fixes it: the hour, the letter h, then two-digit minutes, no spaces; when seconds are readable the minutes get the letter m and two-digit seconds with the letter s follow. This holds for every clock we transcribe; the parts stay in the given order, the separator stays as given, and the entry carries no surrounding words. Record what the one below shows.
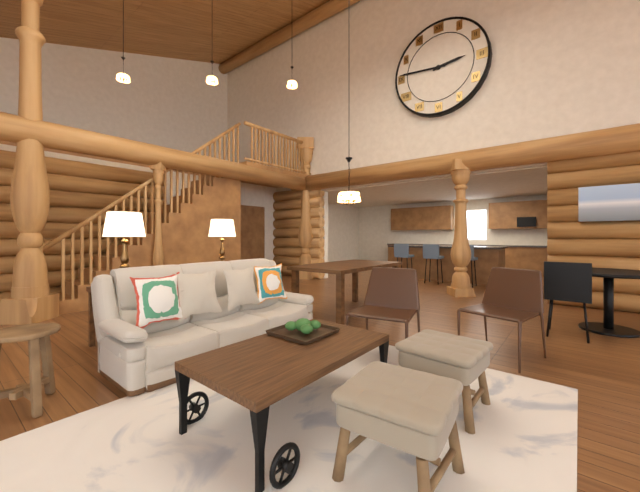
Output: 2h46
